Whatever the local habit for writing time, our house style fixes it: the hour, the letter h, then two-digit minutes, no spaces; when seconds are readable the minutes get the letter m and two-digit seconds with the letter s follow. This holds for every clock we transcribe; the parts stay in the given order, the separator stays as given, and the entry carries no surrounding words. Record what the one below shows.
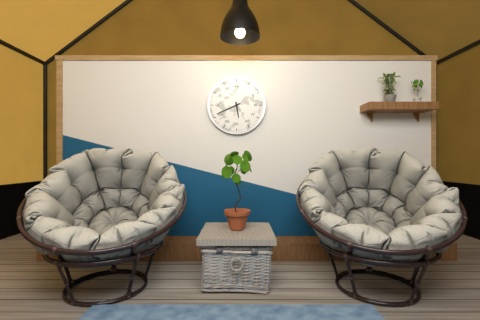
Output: 5h41
